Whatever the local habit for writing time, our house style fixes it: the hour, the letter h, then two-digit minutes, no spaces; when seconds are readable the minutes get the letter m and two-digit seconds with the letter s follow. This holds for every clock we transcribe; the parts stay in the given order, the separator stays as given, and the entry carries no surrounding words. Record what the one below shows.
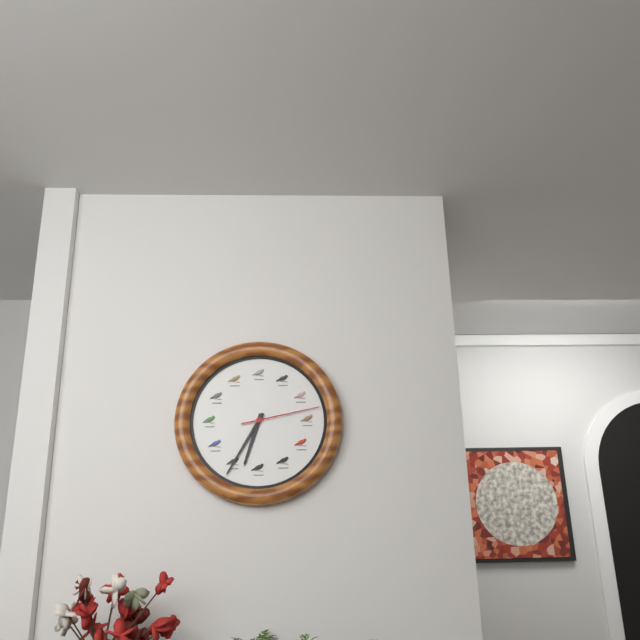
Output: 6h35m13s
